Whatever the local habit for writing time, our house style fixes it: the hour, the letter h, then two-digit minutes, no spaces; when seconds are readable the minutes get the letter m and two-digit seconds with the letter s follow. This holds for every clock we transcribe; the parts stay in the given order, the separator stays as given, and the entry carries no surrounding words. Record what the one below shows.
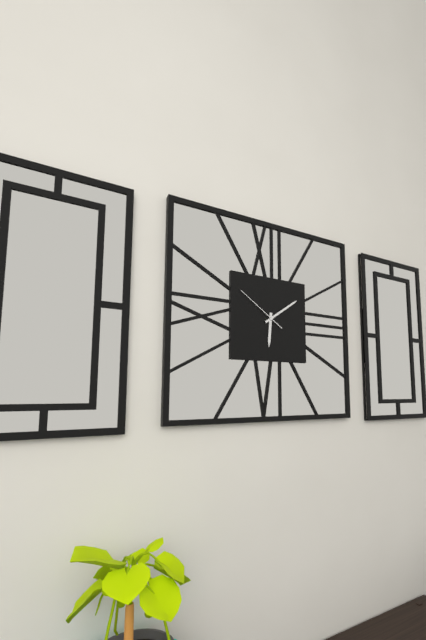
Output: 6h09
